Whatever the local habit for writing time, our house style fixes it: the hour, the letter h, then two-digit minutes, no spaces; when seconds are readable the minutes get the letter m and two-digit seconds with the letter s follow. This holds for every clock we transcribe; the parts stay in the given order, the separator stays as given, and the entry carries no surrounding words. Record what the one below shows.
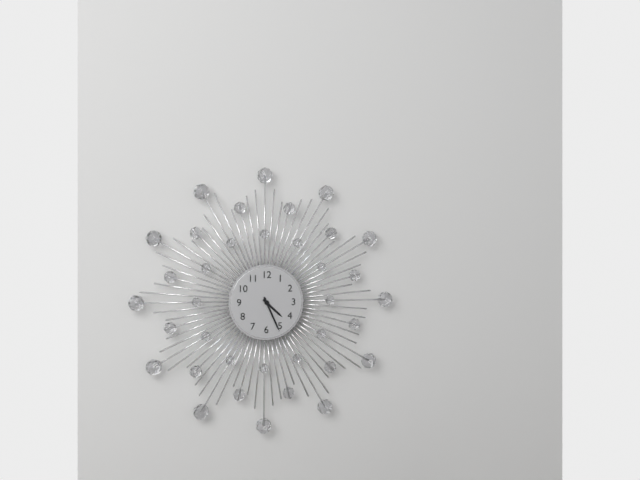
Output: 4h26
